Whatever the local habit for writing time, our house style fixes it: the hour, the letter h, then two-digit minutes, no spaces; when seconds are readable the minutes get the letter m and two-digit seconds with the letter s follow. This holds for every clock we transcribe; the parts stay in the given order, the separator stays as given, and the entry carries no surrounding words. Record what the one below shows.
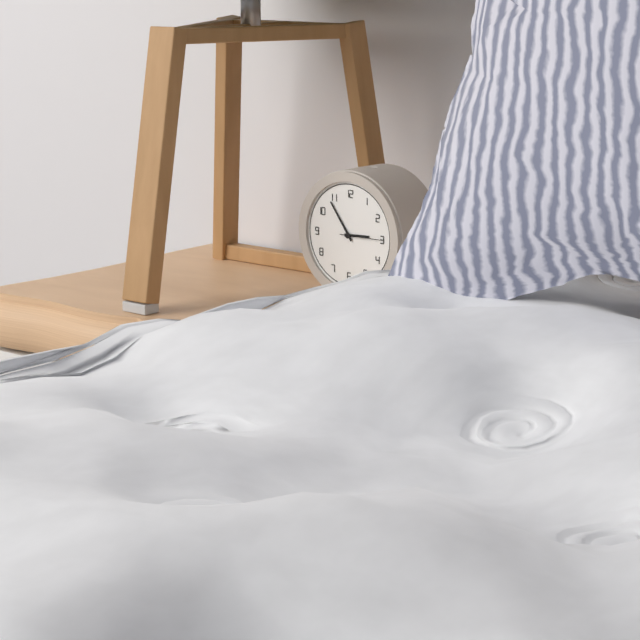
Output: 2h54
